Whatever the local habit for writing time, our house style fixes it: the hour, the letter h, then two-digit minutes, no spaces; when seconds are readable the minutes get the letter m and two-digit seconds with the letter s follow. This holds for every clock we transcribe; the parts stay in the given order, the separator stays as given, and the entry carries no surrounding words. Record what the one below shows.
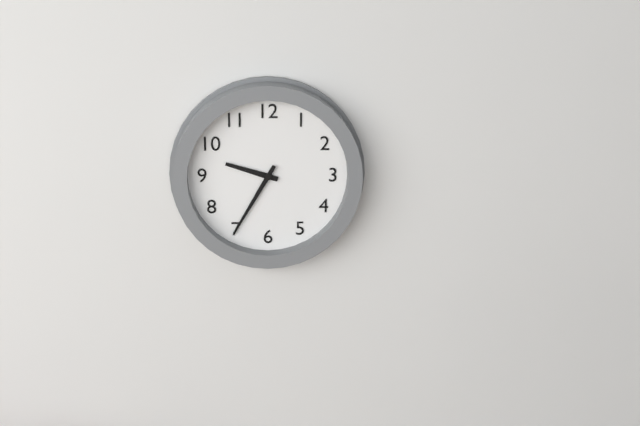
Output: 9h35
